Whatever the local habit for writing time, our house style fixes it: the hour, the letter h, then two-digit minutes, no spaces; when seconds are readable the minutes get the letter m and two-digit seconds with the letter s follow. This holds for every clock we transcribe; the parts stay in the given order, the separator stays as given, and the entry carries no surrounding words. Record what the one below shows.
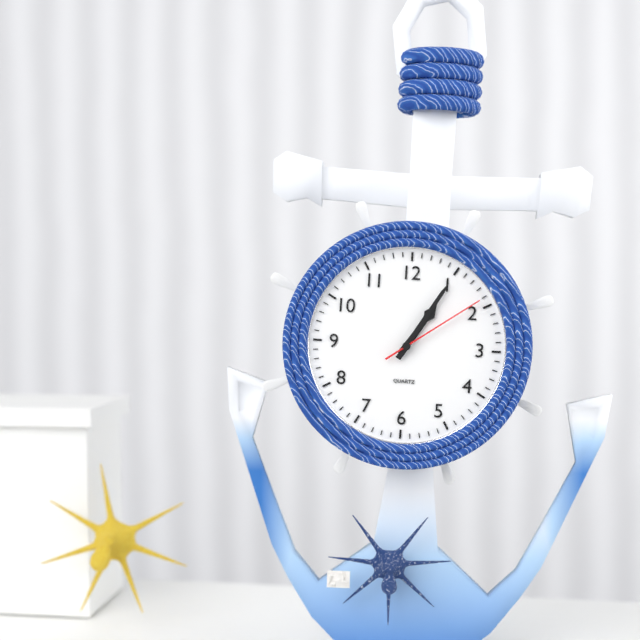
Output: 1h05m09s
